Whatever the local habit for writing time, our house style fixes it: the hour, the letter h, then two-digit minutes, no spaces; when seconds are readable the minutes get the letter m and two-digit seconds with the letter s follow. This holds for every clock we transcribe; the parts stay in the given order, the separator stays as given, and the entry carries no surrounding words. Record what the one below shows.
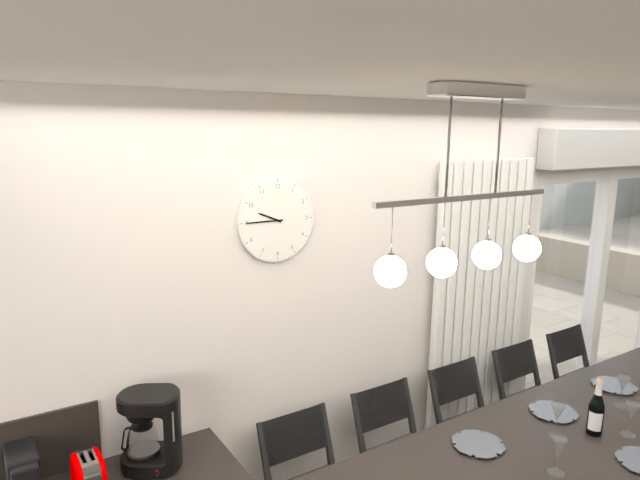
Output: 9h45
